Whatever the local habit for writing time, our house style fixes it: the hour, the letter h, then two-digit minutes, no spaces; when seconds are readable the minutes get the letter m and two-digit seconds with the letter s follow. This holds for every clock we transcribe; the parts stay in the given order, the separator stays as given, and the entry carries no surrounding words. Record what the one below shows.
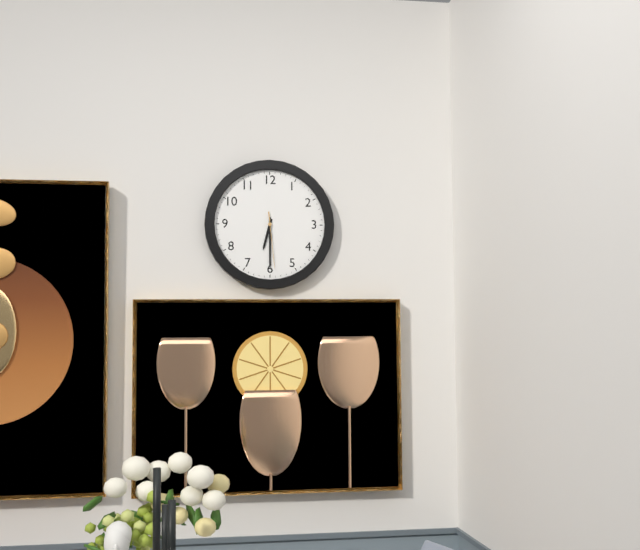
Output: 6h30m29s
